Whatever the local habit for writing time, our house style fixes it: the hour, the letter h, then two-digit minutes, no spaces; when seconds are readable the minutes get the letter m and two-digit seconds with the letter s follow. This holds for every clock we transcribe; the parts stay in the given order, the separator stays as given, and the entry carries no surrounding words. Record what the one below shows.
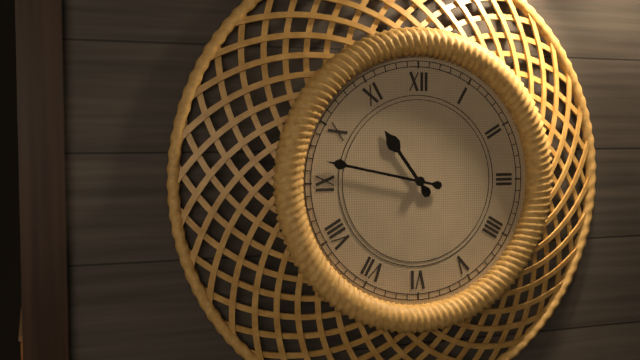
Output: 10h47
